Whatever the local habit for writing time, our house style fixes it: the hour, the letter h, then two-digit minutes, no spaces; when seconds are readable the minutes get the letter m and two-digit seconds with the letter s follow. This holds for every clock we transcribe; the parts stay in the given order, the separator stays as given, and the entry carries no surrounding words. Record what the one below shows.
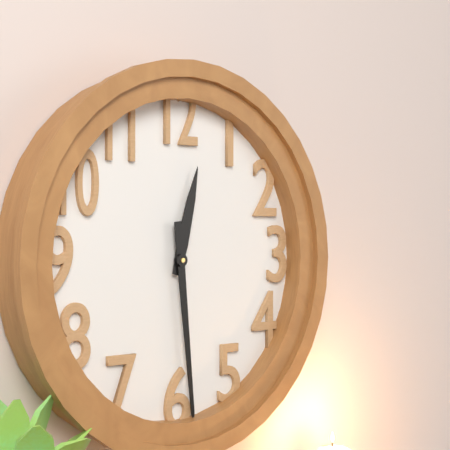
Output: 12h29
